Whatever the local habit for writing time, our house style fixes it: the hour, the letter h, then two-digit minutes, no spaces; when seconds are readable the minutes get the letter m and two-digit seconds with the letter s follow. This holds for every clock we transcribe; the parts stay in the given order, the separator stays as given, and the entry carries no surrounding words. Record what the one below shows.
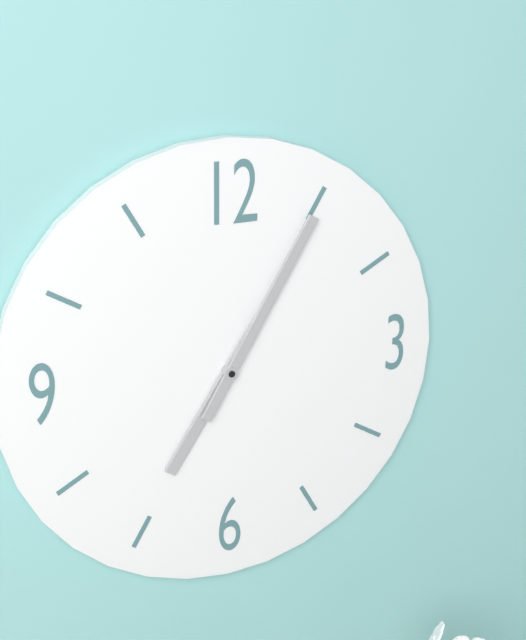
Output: 7h05
